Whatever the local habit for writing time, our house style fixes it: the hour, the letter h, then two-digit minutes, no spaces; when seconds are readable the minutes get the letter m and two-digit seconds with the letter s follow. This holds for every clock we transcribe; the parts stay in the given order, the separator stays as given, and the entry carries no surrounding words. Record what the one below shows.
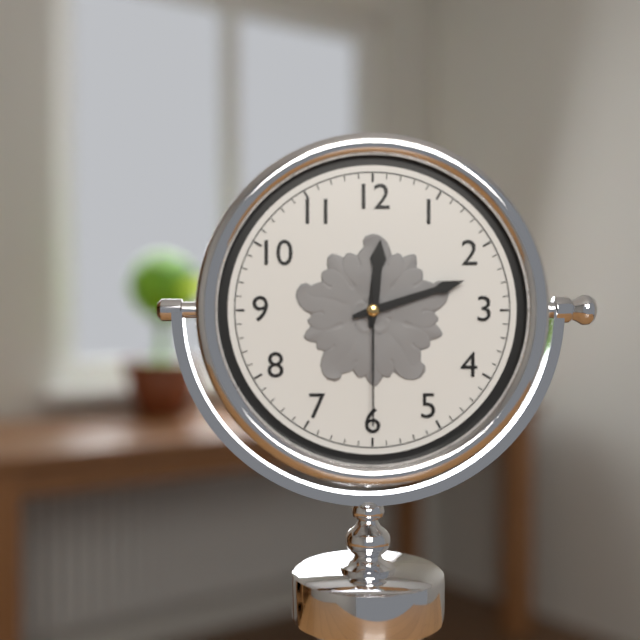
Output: 12h12m30s
